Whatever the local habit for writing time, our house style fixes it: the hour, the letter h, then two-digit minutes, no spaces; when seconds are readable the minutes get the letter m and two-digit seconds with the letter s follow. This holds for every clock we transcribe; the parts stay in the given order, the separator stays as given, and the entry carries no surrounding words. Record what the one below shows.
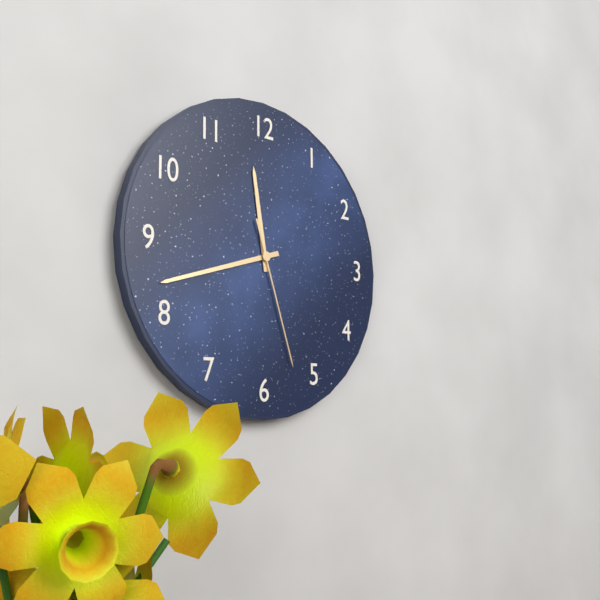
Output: 11h42m27s
